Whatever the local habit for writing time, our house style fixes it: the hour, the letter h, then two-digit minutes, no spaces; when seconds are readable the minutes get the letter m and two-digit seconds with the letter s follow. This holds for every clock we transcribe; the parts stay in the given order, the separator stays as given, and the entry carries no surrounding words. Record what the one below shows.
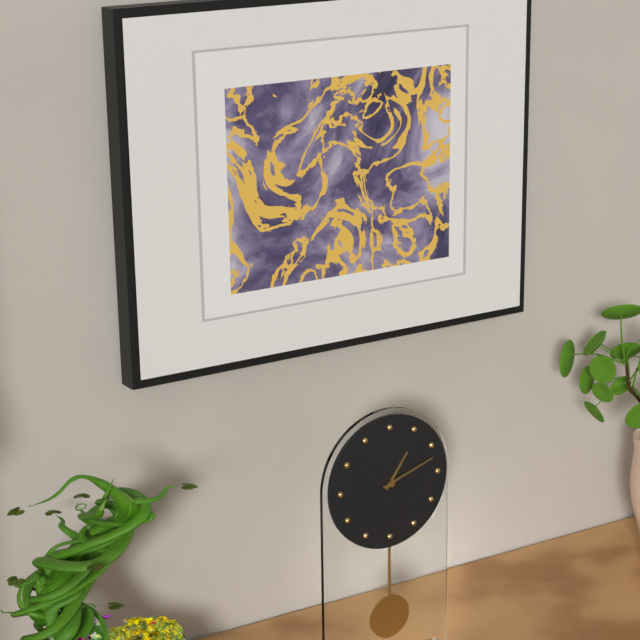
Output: 1h12
